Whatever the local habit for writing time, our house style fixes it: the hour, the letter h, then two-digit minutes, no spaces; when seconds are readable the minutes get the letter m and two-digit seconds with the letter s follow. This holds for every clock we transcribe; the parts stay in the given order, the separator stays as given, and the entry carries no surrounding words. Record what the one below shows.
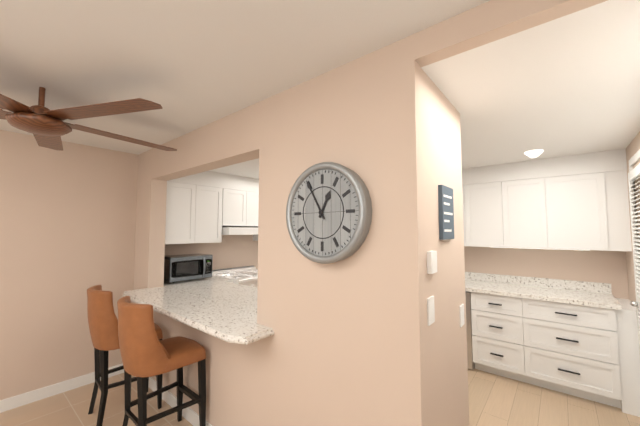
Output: 12h55
